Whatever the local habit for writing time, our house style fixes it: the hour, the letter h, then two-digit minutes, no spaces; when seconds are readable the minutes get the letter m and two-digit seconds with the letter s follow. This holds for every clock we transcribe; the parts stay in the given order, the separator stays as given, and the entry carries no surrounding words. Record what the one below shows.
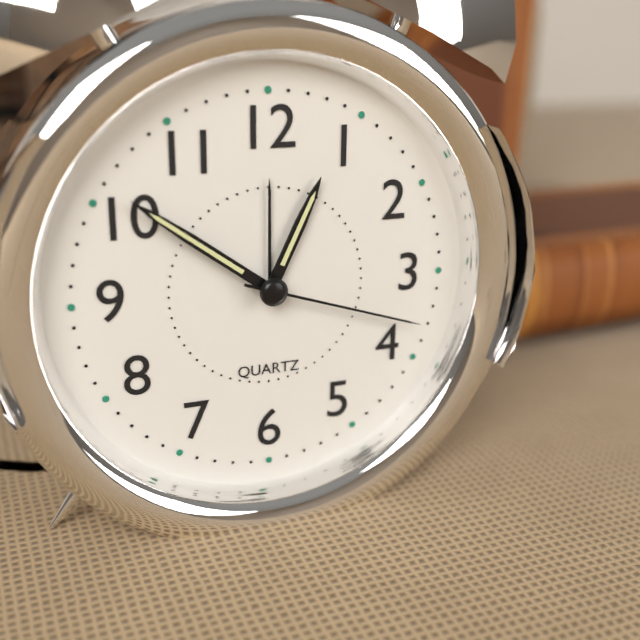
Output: 12h51m18s
